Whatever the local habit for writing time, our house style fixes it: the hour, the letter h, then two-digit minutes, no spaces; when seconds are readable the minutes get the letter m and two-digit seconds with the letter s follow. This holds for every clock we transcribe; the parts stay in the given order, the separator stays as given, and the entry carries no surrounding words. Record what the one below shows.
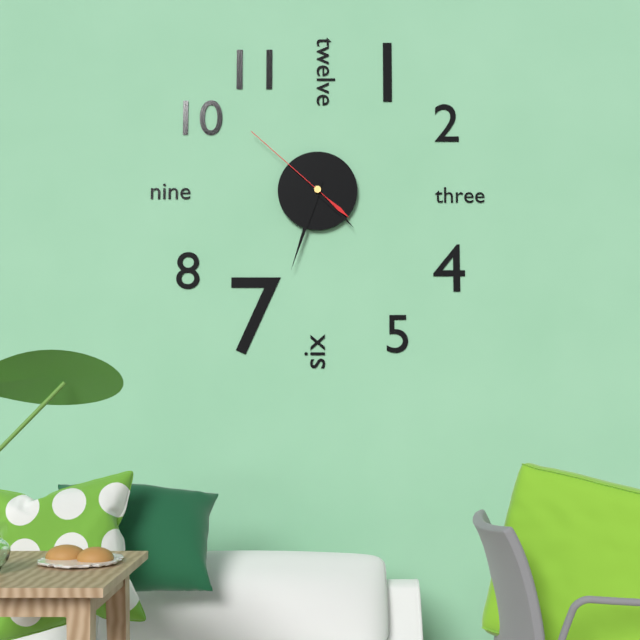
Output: 4h33m52s
